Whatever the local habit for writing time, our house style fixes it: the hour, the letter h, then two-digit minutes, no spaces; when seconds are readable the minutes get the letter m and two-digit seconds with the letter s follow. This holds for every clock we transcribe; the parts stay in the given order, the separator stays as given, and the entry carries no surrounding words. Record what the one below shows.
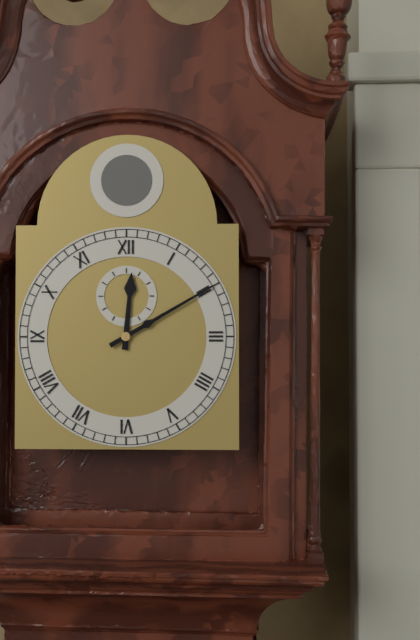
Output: 12h10
